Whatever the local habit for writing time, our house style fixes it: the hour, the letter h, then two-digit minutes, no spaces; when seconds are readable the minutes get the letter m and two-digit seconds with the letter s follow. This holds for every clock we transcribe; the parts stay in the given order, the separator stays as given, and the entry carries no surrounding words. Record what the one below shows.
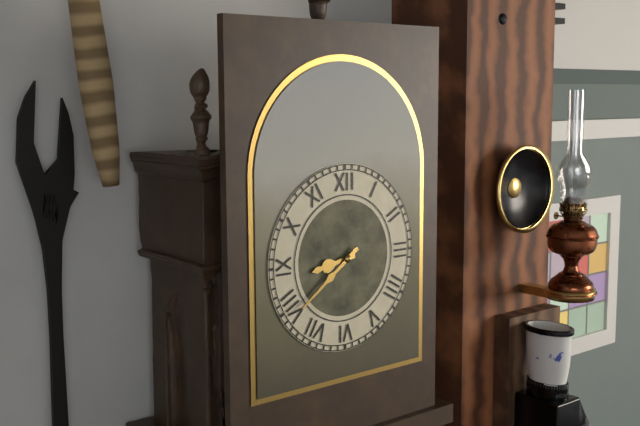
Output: 8h39
